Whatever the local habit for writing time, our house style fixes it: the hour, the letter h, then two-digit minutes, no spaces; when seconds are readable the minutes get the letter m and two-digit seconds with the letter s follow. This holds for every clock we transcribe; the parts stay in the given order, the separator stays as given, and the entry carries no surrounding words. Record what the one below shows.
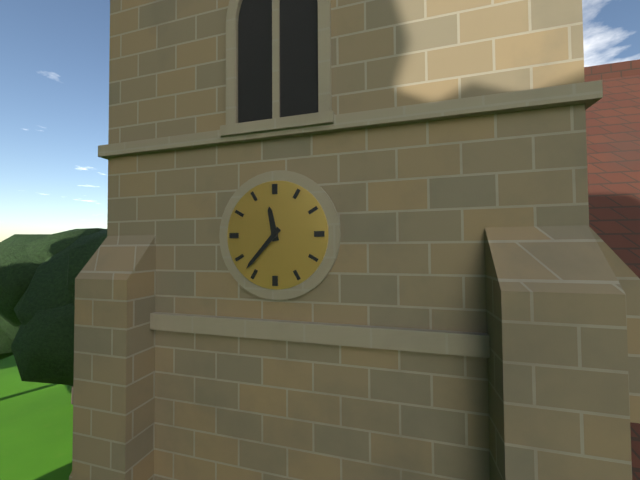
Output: 11h37
